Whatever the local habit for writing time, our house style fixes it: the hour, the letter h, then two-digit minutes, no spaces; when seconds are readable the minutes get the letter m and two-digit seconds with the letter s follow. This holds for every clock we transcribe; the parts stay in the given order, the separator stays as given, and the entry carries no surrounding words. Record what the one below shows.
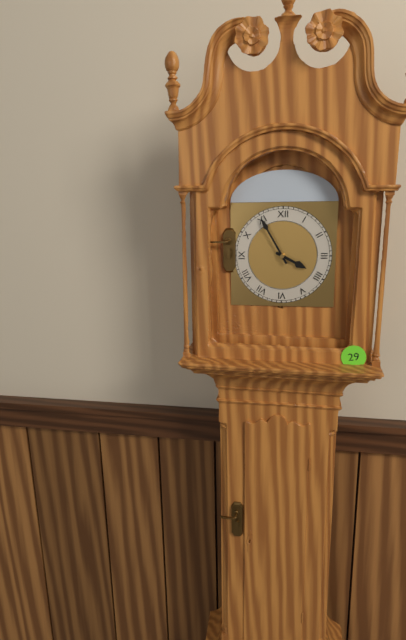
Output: 3h55
